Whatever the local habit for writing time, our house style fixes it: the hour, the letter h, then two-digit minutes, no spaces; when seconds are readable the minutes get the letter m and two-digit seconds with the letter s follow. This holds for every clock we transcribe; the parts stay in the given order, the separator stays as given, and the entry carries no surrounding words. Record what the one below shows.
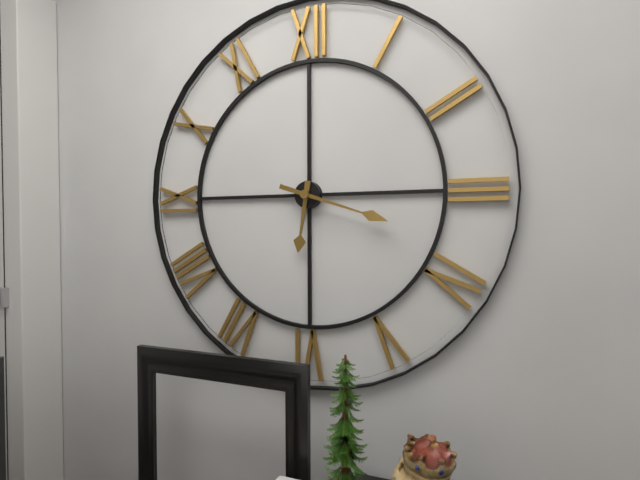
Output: 6h18
